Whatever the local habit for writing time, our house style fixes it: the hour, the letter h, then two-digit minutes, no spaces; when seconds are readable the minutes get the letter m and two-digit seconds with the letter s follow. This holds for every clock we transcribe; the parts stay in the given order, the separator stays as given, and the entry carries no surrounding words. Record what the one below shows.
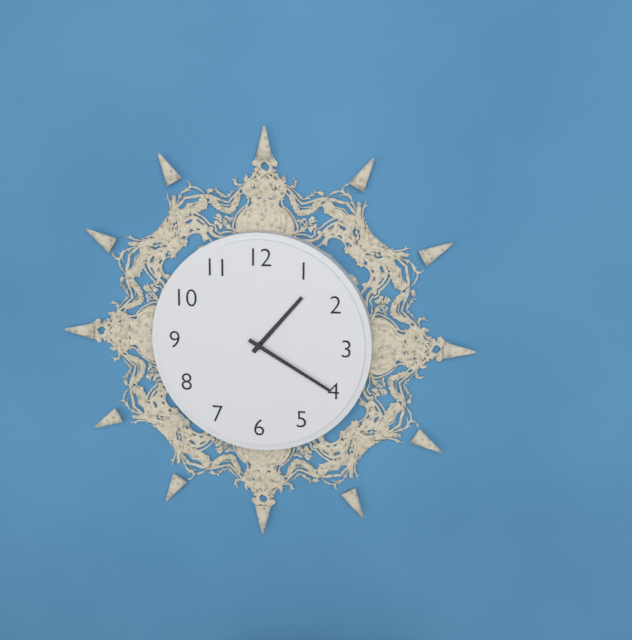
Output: 1h20
